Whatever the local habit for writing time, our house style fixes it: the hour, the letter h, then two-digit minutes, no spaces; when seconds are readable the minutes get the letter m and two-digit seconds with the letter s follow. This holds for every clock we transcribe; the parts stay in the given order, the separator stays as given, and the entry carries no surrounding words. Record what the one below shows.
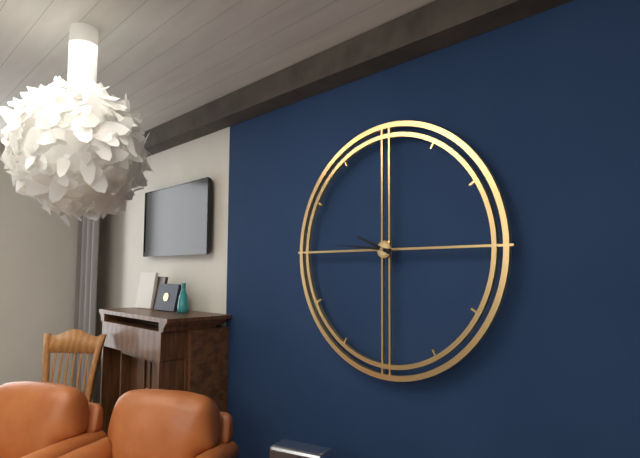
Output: 9h46
